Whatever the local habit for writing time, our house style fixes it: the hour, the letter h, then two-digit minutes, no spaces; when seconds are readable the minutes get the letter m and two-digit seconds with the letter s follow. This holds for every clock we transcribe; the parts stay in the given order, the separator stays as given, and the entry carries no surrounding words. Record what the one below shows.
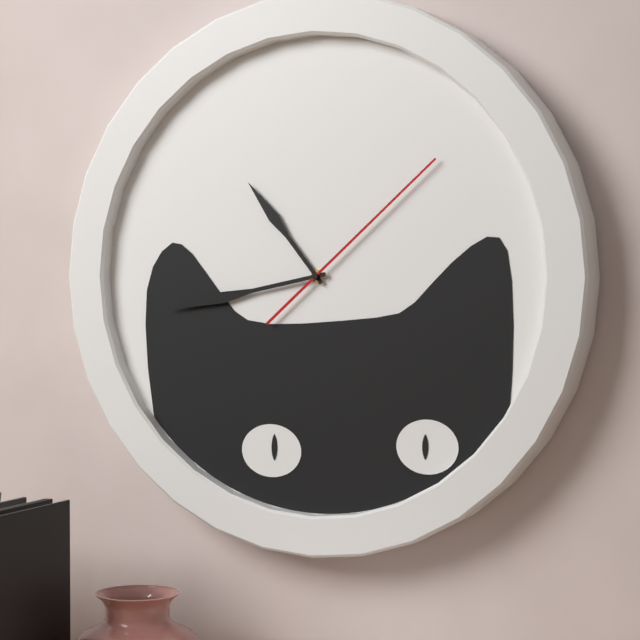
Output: 10h43m08s
